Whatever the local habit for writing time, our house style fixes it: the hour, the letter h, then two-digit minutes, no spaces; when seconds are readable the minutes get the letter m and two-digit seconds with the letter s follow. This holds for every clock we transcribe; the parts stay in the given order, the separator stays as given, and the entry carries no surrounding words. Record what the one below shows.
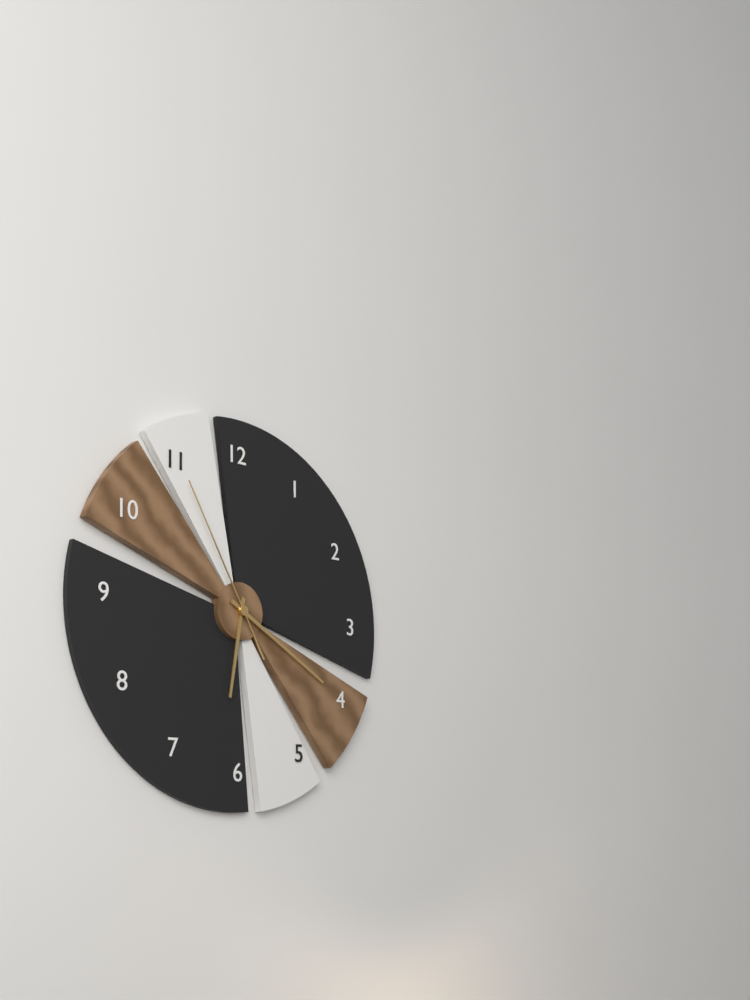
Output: 6h20m55s
